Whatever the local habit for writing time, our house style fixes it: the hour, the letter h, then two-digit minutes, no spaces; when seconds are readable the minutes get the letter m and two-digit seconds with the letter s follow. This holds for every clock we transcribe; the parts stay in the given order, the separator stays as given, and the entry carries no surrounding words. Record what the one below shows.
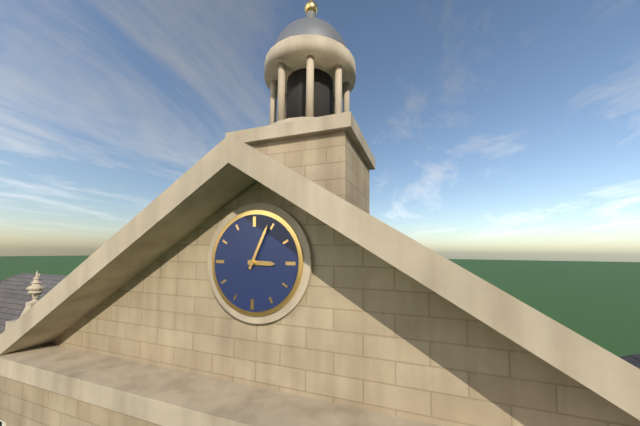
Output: 3h04
